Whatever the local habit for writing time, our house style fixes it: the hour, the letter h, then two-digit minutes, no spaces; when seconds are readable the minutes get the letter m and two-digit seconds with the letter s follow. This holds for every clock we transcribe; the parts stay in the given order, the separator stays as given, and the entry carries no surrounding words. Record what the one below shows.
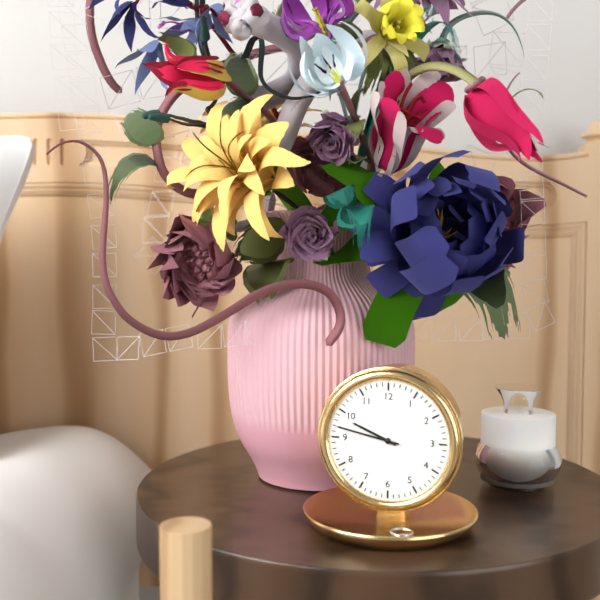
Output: 9h47
